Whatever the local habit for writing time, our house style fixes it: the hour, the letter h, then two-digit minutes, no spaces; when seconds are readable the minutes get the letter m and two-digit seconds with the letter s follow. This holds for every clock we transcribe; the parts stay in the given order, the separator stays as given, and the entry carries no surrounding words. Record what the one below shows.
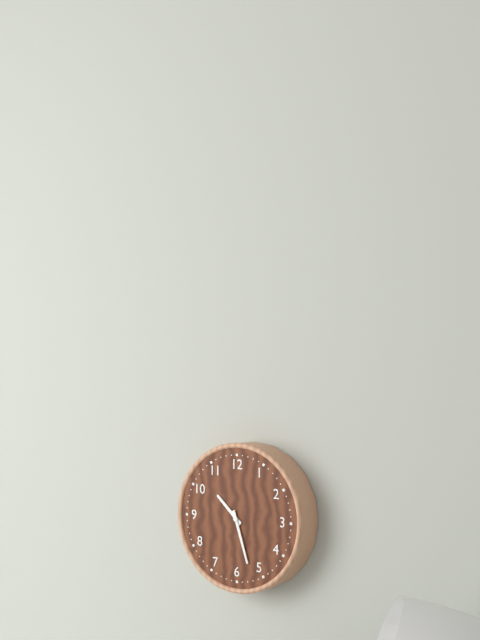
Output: 10h27
